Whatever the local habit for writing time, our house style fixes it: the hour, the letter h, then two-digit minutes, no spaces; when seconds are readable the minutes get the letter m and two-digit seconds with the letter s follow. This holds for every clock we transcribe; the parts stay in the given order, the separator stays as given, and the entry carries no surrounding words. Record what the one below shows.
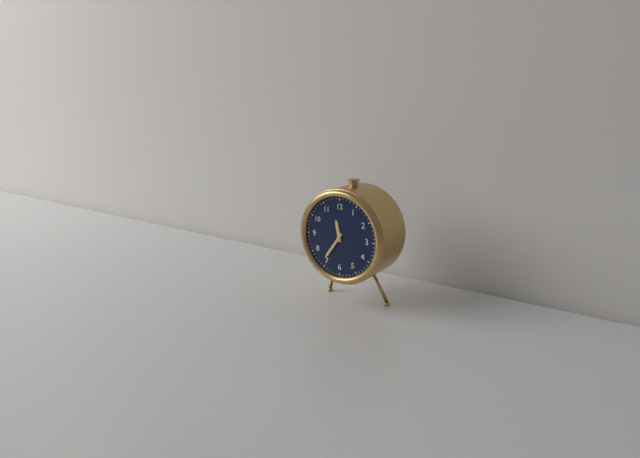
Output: 11h36
